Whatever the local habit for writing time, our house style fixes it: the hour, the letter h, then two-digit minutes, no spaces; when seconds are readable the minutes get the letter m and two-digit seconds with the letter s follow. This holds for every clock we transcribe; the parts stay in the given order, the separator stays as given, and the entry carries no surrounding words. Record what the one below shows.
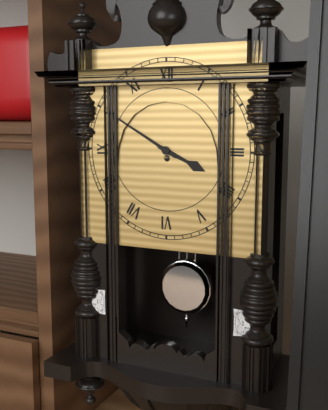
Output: 3h50
